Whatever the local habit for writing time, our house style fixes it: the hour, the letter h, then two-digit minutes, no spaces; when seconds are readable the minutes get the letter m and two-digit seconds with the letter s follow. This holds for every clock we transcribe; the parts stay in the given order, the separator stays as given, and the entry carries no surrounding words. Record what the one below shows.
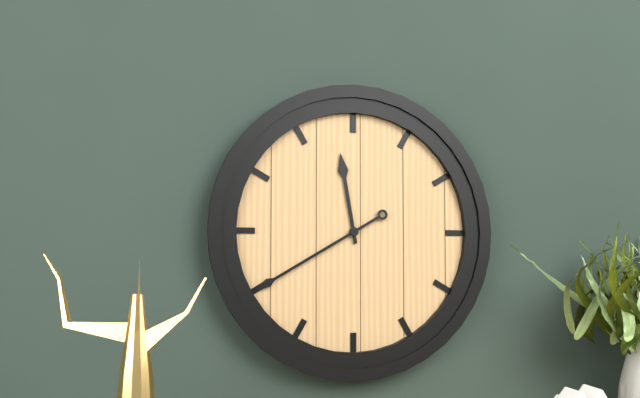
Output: 11h40
